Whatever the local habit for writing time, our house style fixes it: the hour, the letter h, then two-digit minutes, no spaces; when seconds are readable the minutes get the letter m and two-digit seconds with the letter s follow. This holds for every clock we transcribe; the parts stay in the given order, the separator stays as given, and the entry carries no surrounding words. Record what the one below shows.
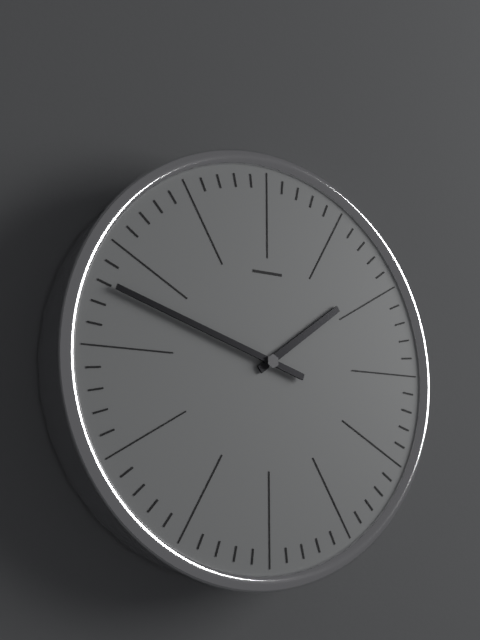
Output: 1h48
